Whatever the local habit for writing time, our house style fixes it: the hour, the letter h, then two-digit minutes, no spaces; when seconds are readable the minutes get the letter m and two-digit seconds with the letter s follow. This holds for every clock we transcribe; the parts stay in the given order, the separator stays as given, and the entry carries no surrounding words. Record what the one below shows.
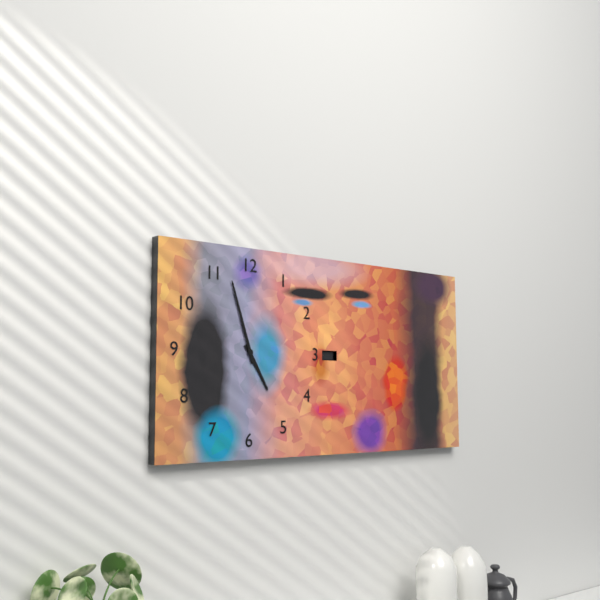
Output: 4h57
